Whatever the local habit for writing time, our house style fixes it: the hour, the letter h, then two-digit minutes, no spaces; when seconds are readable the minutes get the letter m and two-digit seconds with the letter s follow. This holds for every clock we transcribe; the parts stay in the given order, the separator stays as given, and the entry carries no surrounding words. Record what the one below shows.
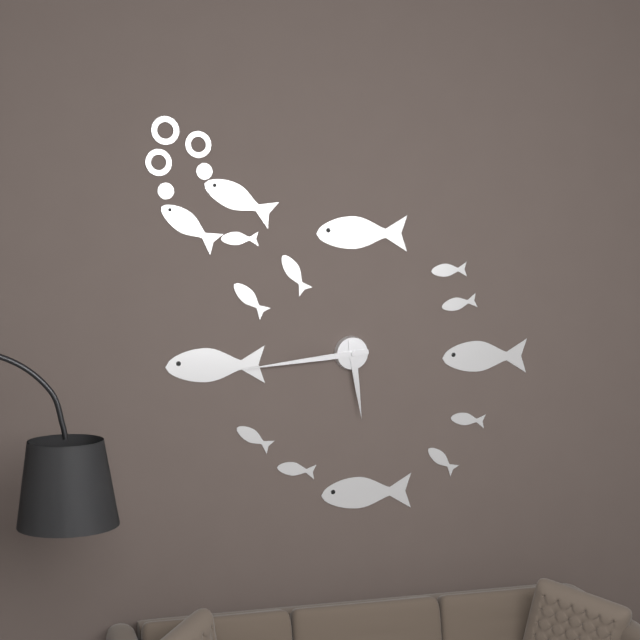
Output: 5h44
